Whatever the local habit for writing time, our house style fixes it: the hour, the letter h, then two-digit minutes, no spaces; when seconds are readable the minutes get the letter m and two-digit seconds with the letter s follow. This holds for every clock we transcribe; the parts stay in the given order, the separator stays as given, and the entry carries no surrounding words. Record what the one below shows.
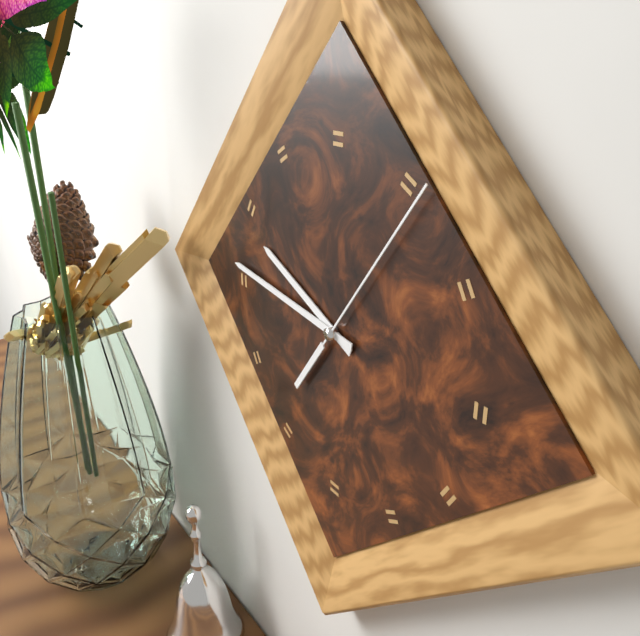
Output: 9h46m06s
